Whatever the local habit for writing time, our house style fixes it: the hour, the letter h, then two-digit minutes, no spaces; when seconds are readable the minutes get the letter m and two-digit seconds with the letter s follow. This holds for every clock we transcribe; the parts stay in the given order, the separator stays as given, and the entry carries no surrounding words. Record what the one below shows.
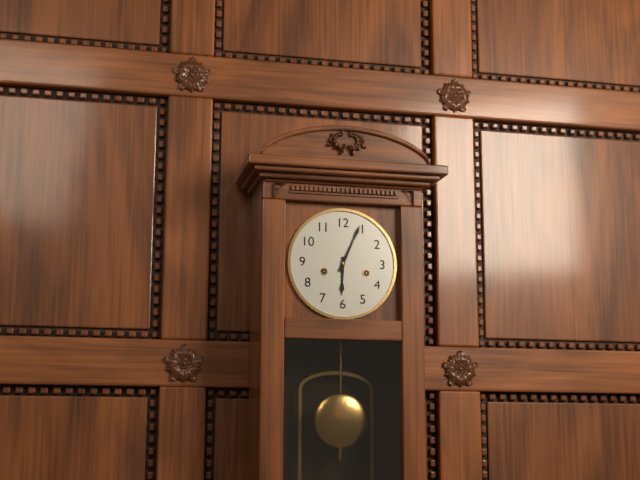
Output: 6h04
